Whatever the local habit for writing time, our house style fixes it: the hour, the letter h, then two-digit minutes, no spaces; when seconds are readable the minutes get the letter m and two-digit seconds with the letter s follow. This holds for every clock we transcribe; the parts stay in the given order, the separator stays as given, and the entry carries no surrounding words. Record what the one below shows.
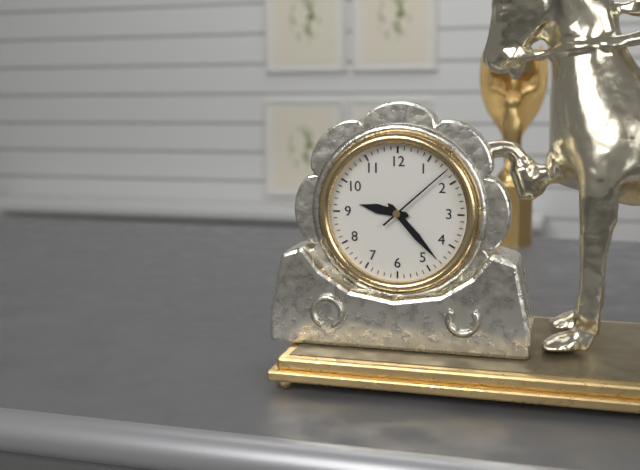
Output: 9h23m08s
